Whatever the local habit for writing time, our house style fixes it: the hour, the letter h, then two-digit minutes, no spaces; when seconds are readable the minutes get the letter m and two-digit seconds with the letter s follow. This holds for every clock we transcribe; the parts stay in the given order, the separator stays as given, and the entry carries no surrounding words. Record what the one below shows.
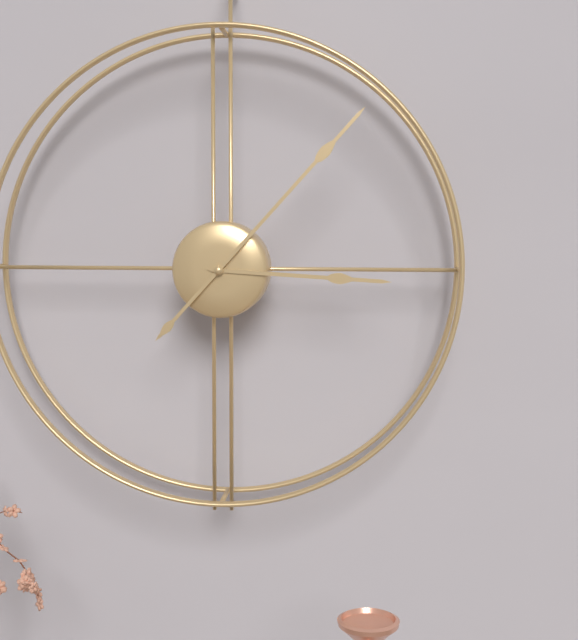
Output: 3h07
